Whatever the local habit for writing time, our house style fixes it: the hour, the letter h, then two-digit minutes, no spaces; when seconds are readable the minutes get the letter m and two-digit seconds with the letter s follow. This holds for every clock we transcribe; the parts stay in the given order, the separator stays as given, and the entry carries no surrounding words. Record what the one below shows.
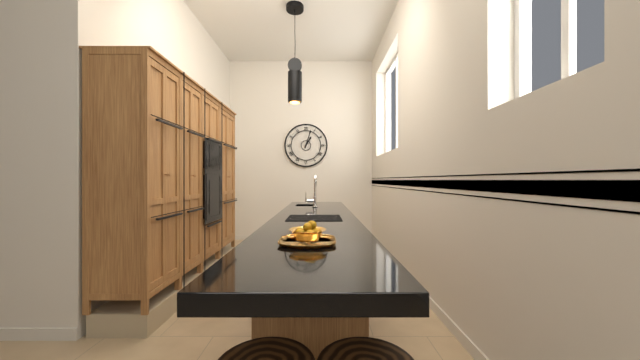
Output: 1h03
